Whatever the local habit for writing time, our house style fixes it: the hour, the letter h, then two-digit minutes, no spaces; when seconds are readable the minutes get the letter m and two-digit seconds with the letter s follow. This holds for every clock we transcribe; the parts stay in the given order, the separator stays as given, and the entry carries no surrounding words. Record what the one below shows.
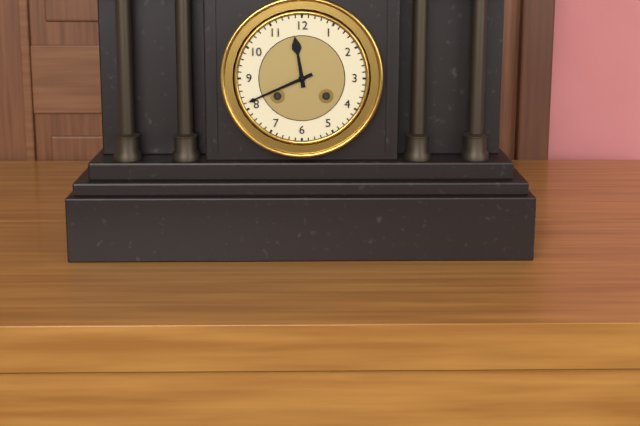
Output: 11h41
